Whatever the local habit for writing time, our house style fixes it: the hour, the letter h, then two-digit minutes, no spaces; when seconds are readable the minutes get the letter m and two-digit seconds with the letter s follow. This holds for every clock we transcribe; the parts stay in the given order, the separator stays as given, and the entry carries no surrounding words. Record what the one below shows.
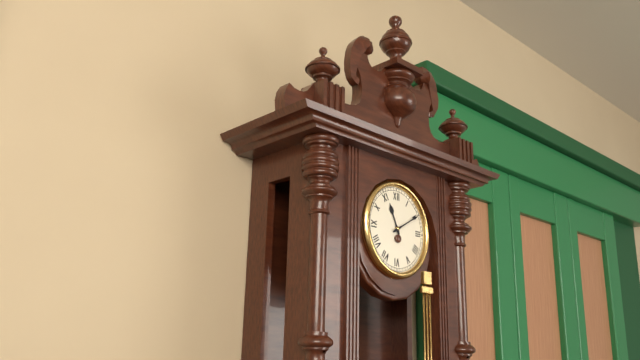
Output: 11h10
